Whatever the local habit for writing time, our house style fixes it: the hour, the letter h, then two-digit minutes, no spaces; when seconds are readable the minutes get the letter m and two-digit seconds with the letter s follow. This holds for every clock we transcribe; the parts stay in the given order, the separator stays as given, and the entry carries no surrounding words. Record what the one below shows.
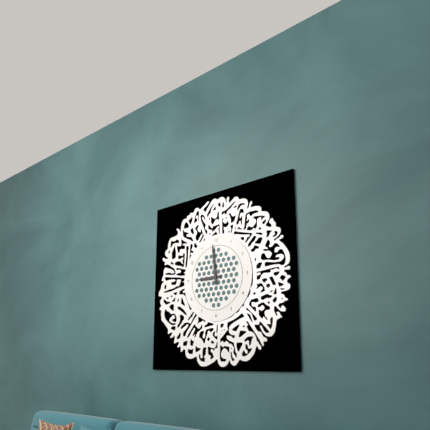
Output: 8h59
